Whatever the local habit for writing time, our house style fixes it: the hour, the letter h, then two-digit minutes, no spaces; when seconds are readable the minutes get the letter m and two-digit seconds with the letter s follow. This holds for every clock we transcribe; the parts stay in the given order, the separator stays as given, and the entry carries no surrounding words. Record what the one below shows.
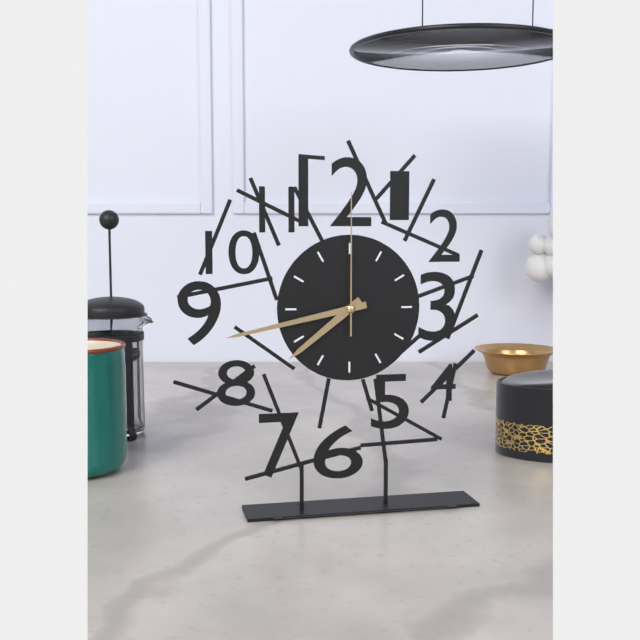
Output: 7h43m00s
